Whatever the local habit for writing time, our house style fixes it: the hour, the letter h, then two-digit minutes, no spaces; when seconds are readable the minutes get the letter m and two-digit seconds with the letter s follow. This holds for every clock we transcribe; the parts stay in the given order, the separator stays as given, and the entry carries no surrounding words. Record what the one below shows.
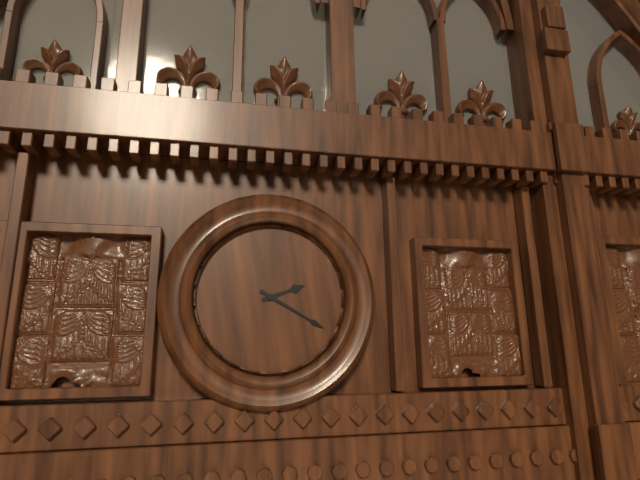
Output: 2h20
